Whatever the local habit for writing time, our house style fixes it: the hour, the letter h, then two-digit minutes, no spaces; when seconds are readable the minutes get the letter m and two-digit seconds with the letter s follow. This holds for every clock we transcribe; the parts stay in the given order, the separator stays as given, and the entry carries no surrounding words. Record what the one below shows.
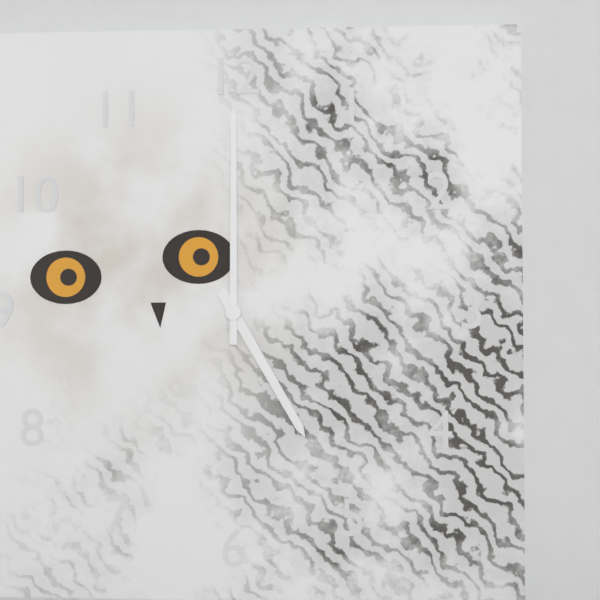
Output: 5h00
